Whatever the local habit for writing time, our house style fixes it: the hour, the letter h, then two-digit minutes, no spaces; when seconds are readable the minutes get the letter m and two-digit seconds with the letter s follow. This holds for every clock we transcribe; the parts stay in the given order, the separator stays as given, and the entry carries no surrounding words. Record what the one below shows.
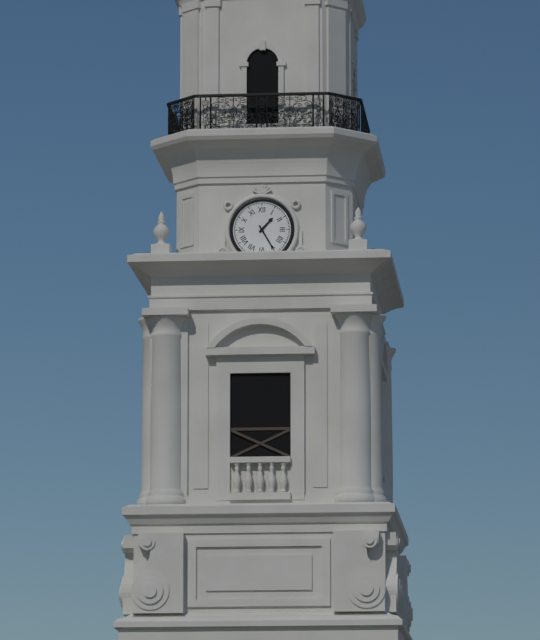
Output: 1h25
